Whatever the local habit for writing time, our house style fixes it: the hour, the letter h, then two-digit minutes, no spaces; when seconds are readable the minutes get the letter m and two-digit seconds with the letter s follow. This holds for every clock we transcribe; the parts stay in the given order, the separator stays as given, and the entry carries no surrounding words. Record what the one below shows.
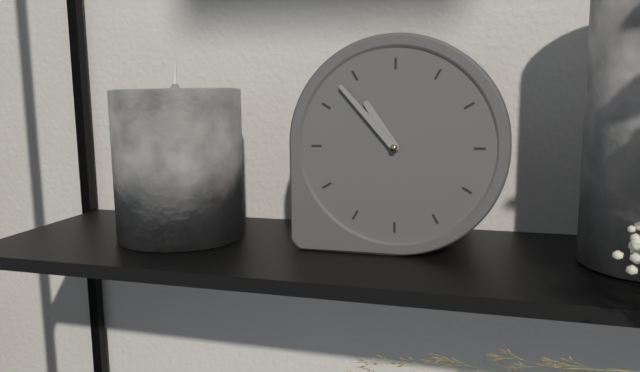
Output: 10h53
